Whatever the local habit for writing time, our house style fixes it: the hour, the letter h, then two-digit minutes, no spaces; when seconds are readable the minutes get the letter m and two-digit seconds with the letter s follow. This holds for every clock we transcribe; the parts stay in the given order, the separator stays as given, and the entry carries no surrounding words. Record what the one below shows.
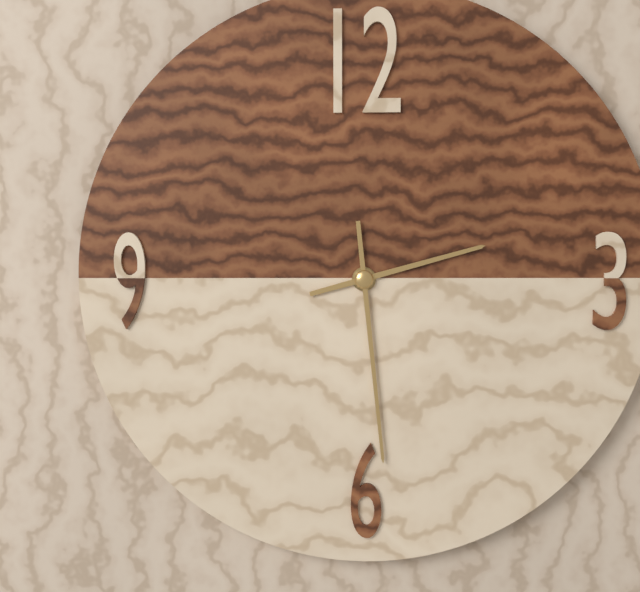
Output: 2h29
